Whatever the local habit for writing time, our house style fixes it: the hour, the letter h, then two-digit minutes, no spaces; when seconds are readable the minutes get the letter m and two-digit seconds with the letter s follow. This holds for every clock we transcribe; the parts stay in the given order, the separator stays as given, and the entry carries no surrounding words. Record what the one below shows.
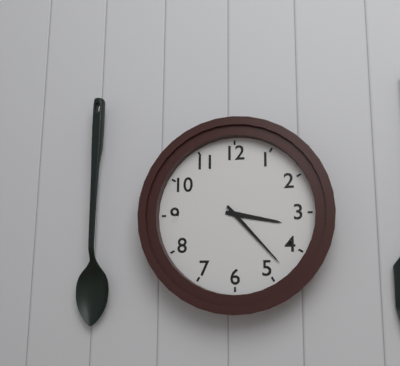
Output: 3h23
